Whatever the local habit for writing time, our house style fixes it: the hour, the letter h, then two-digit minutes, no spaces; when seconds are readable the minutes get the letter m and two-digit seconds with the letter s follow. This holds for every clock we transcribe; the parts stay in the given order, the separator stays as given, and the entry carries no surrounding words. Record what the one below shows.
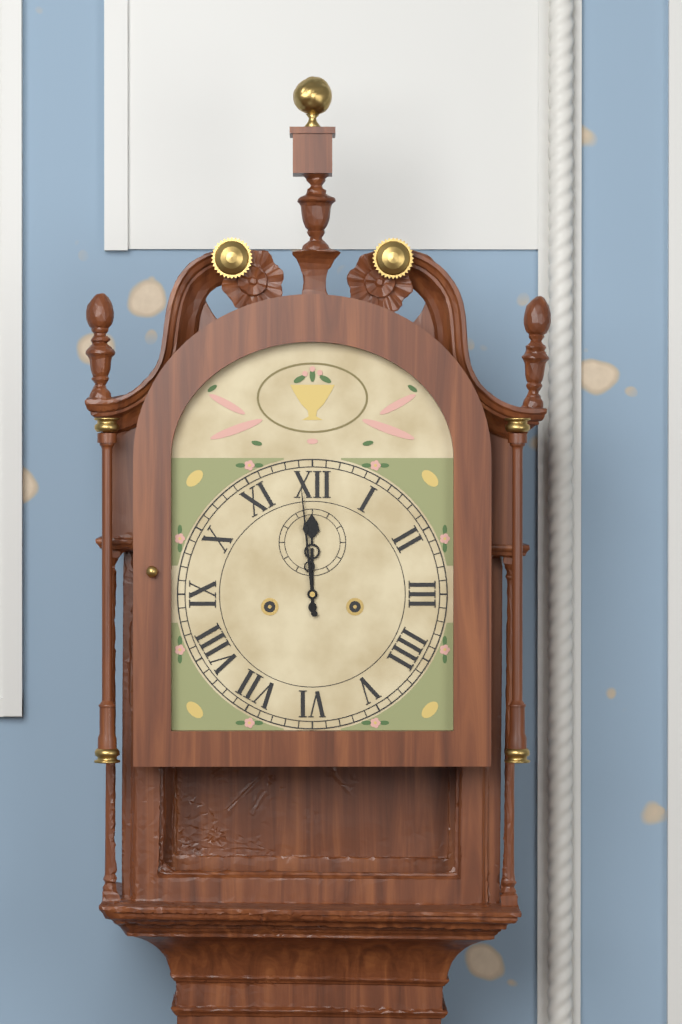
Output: 11h59
